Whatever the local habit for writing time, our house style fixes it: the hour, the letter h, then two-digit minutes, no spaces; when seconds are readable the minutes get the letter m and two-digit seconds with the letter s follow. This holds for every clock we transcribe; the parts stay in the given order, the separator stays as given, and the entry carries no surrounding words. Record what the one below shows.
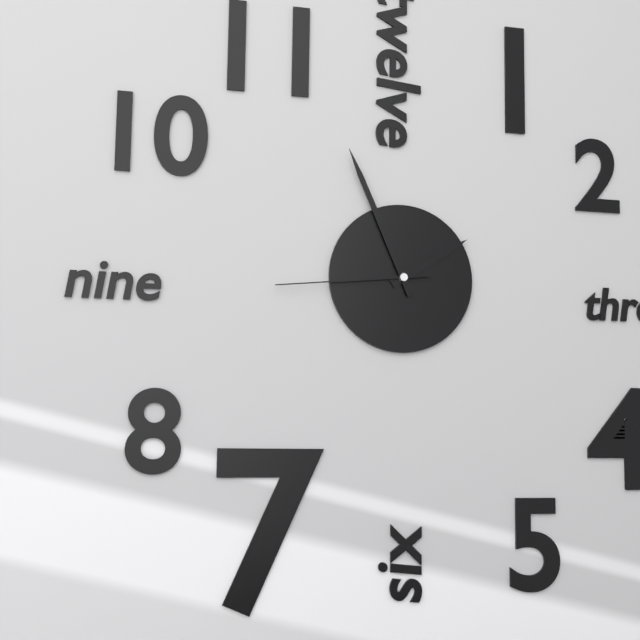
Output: 1h56m44s
